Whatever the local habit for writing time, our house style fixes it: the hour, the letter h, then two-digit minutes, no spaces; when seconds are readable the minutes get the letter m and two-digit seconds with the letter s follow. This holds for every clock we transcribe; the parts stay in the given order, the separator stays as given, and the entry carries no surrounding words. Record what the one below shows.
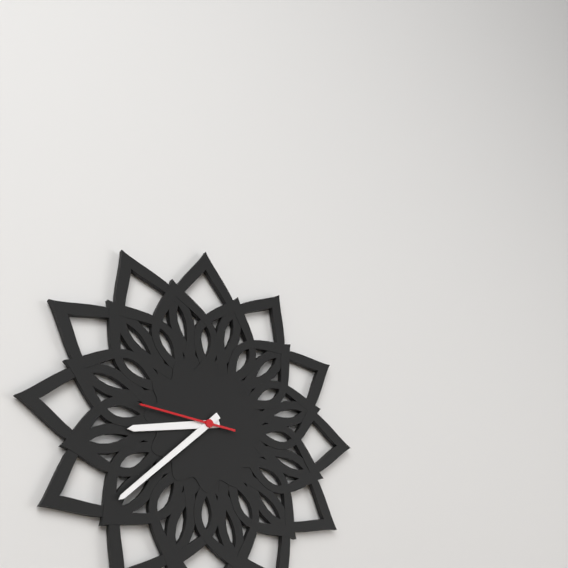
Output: 8h38m46s
